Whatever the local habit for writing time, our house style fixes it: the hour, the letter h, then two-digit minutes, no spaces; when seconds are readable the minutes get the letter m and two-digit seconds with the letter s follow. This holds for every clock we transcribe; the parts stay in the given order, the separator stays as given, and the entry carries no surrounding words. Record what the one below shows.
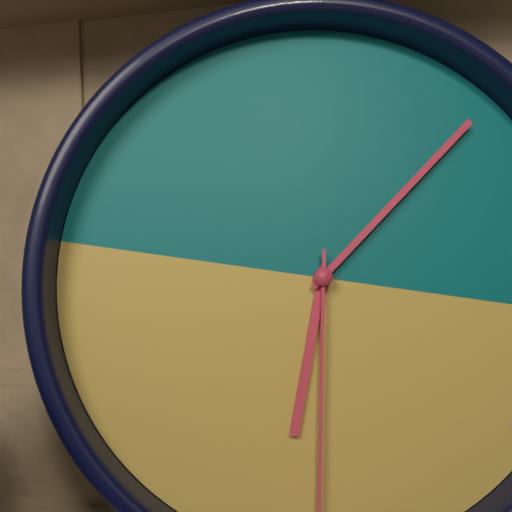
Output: 6h06
